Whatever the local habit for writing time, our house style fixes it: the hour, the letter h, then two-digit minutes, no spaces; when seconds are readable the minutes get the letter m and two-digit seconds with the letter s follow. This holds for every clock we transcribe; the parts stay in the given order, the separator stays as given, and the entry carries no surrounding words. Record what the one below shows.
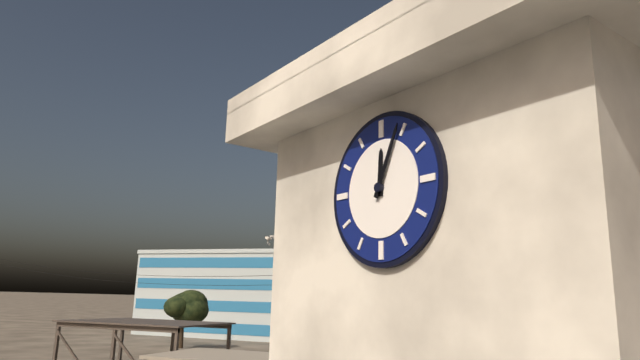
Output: 12h04
